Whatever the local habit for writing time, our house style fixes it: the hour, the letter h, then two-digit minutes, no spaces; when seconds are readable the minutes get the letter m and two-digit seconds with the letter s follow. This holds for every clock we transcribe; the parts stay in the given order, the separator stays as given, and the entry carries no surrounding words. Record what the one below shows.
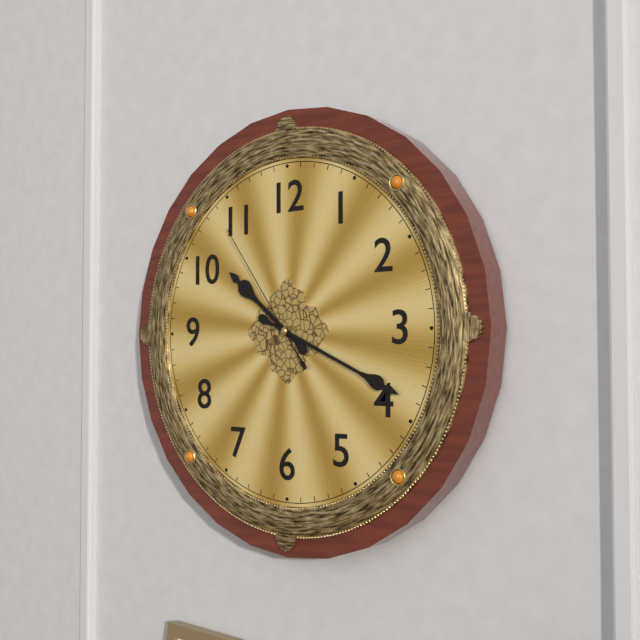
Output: 10h19m54s
